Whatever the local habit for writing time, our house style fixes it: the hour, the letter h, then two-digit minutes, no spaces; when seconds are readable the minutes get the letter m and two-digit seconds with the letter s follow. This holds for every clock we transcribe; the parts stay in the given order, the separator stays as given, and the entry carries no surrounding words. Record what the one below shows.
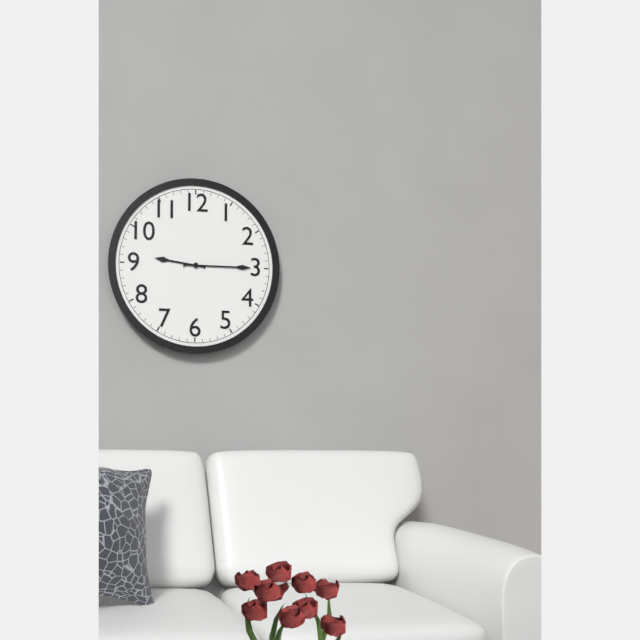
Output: 9h15
